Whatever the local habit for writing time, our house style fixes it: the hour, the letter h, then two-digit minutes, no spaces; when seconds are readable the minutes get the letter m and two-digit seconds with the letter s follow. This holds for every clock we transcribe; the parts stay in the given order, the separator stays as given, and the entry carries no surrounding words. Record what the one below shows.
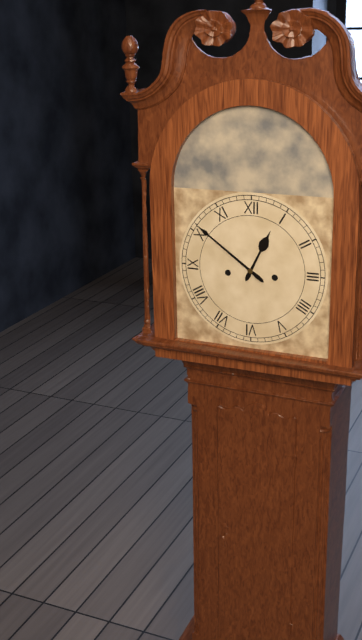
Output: 12h51
